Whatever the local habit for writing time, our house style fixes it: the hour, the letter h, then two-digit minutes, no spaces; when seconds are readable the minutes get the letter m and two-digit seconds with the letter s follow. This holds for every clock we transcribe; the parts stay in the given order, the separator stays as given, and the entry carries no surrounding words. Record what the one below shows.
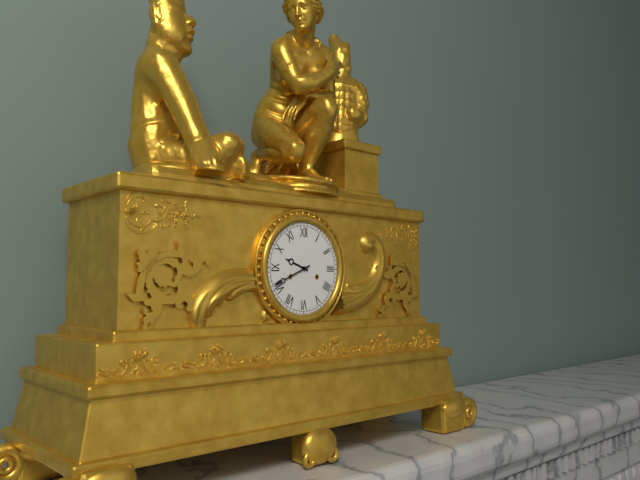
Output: 9h41
